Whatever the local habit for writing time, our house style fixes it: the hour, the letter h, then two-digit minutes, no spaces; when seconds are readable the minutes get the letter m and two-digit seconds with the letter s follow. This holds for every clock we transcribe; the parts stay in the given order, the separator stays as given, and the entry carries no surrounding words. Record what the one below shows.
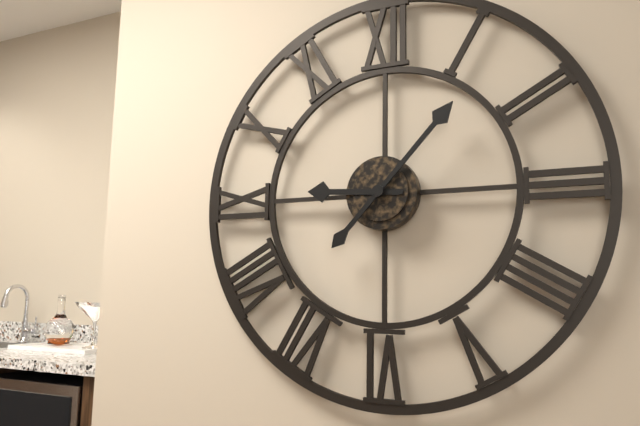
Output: 9h07
